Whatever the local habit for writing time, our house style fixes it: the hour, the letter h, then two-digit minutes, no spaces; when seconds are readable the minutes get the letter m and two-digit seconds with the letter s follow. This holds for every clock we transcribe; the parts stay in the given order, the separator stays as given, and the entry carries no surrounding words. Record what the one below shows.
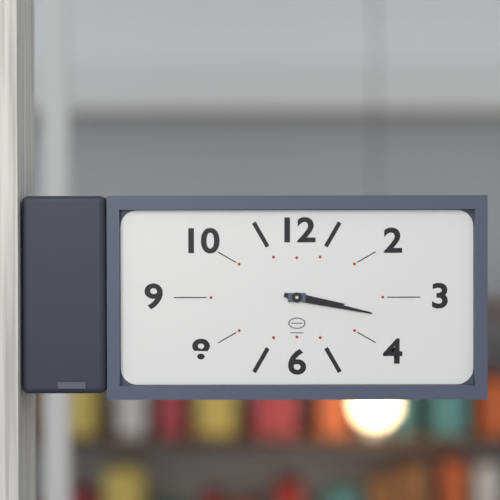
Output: 3h17
